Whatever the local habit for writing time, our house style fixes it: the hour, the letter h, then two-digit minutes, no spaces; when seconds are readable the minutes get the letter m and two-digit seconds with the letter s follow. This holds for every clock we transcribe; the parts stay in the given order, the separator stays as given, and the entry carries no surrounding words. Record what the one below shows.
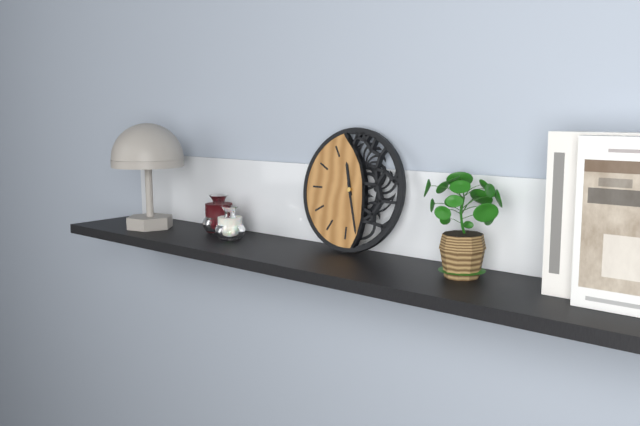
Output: 11h27
